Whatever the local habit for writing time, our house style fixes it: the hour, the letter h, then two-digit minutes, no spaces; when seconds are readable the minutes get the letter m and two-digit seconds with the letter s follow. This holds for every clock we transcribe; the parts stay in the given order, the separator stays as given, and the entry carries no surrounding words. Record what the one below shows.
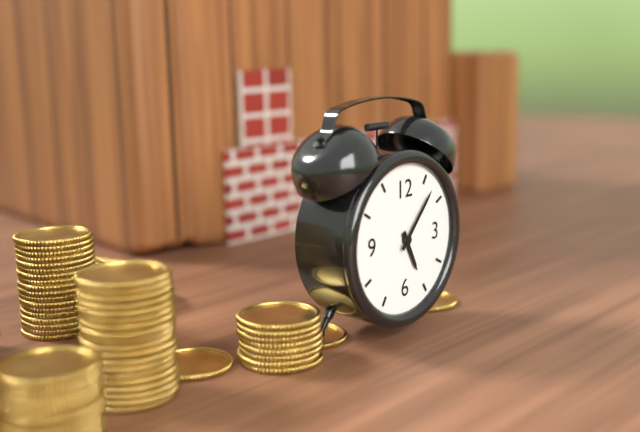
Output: 5h07
